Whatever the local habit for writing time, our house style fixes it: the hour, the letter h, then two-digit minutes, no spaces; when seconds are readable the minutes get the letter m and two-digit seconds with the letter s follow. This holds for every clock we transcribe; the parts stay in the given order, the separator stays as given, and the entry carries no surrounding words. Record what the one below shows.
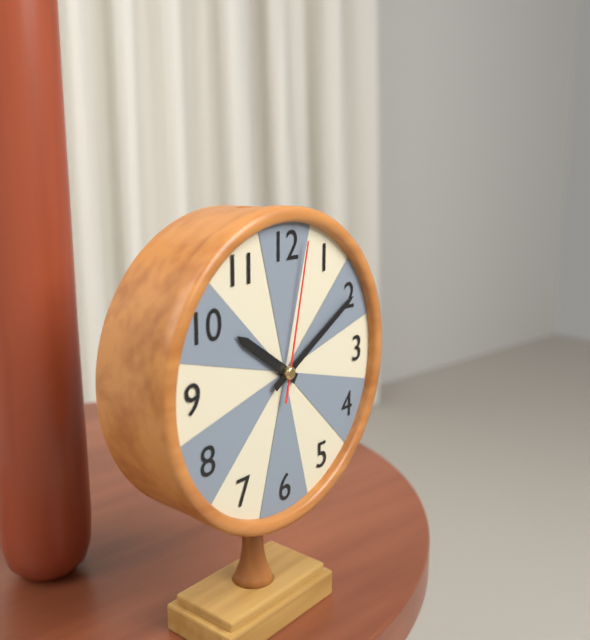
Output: 10h10m02s
